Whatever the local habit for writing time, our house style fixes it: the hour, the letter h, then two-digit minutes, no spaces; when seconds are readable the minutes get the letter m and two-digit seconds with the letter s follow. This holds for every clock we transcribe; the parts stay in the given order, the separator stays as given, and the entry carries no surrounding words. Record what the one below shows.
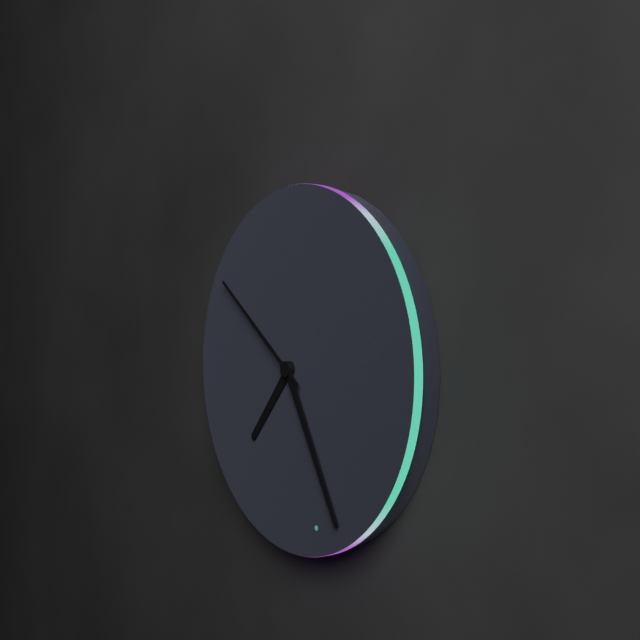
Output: 7h25m51s
